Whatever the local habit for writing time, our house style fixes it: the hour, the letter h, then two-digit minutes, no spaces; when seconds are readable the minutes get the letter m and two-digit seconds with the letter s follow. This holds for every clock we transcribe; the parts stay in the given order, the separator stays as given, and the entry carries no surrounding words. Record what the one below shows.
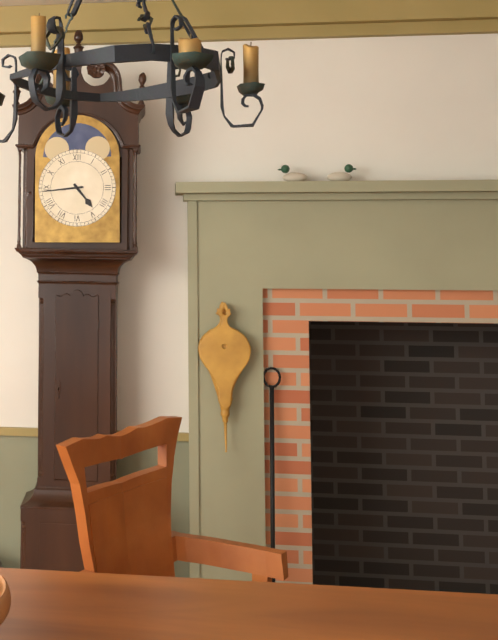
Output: 4h44
